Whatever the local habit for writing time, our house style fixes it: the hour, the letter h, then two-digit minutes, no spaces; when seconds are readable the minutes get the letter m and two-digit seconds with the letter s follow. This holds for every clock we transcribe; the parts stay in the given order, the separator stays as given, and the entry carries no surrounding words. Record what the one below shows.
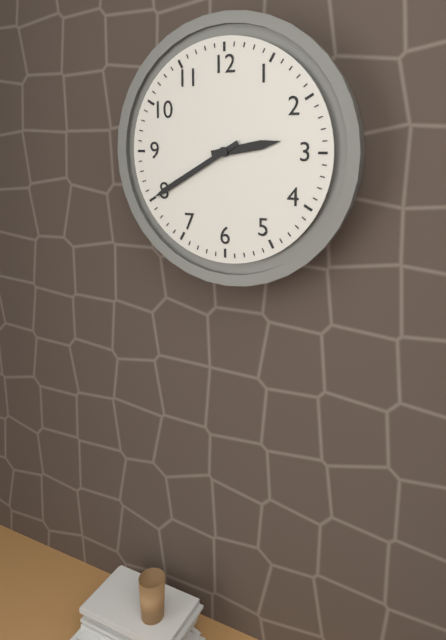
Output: 2h40
